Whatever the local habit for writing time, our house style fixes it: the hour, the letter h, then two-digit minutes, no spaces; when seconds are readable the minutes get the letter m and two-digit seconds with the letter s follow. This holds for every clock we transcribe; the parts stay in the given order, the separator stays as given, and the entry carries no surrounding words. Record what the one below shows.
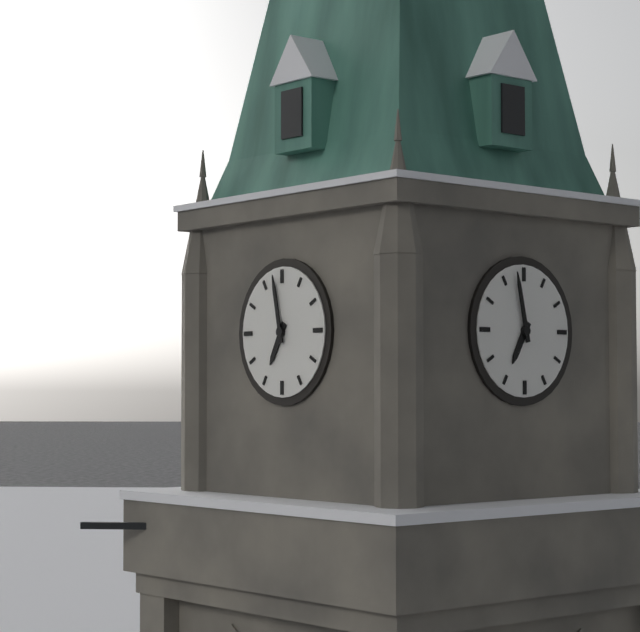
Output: 6h58
